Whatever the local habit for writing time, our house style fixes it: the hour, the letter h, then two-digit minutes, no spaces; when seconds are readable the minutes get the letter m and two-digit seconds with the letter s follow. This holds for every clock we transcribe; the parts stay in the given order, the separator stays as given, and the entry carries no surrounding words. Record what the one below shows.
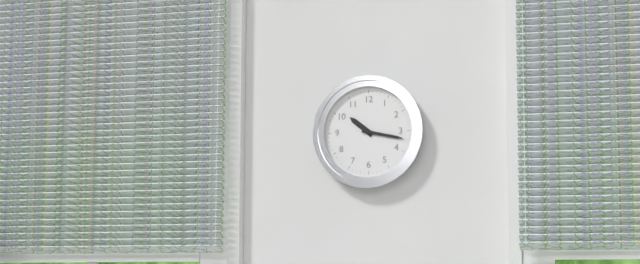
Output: 10h17
